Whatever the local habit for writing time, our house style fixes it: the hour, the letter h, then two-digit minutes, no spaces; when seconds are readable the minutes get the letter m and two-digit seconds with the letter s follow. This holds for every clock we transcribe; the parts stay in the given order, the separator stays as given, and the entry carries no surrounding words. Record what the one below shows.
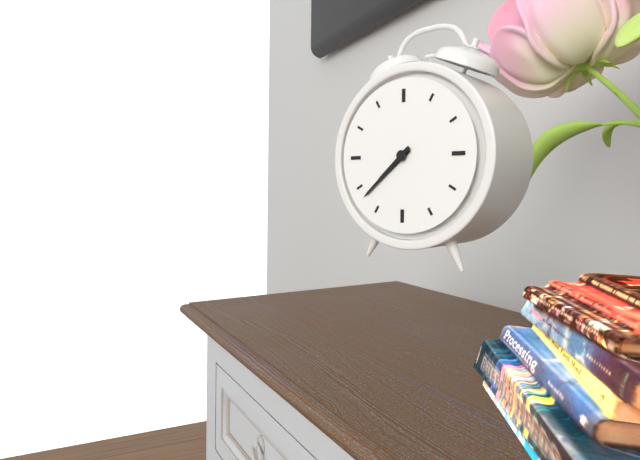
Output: 7h38
